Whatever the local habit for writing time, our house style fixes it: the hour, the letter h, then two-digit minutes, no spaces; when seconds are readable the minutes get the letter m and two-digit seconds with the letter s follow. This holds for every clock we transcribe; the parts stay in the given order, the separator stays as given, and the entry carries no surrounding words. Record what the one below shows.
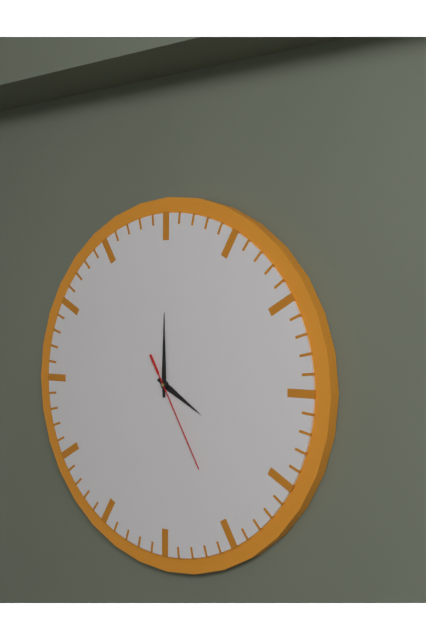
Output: 4h00m25s
